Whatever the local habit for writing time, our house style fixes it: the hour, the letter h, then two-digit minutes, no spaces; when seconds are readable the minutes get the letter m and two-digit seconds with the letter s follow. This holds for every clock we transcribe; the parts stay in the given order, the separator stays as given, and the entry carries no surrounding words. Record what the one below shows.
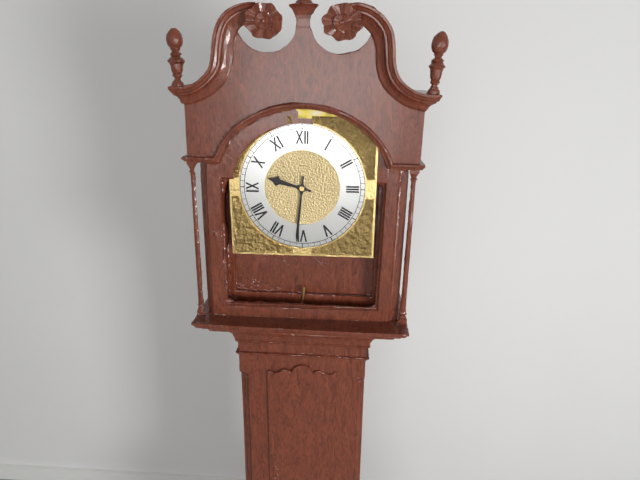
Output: 9h31
